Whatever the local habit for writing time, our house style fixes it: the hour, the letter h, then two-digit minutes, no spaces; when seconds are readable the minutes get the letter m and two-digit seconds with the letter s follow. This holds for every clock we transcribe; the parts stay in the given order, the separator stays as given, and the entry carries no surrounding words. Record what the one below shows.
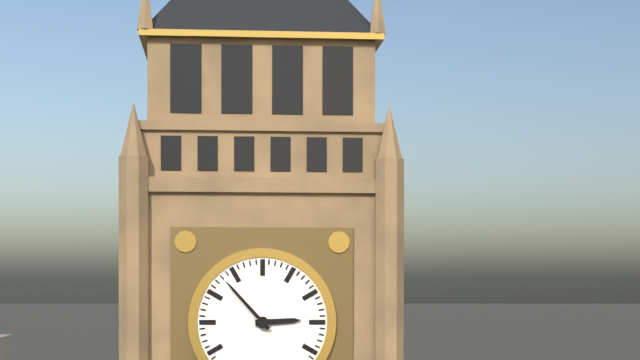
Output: 2h53
